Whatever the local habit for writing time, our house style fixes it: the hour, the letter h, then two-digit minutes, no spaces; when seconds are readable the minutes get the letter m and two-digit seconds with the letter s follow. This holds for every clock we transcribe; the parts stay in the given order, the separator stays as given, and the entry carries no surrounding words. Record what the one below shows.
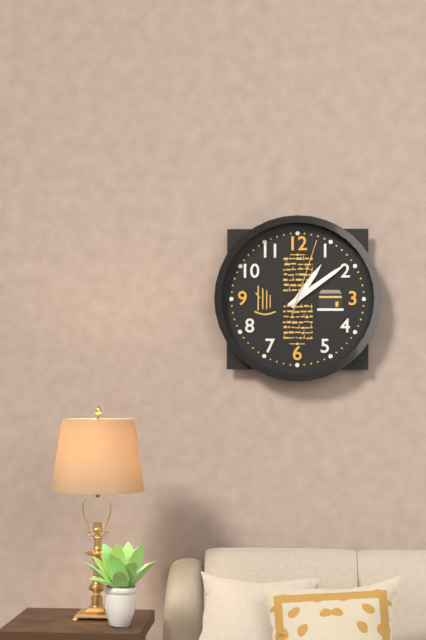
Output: 1h09m03s
